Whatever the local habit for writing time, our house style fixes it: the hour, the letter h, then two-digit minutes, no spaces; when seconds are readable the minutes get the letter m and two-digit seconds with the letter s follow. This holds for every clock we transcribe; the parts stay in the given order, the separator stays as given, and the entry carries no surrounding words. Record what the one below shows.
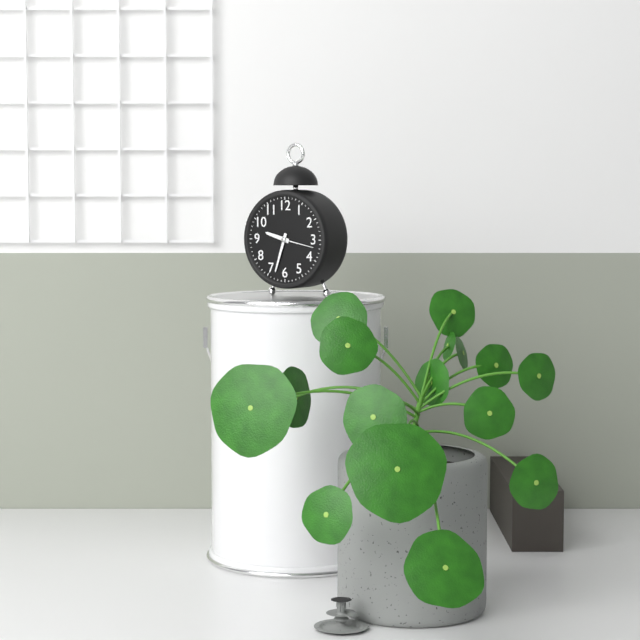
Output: 9h33
